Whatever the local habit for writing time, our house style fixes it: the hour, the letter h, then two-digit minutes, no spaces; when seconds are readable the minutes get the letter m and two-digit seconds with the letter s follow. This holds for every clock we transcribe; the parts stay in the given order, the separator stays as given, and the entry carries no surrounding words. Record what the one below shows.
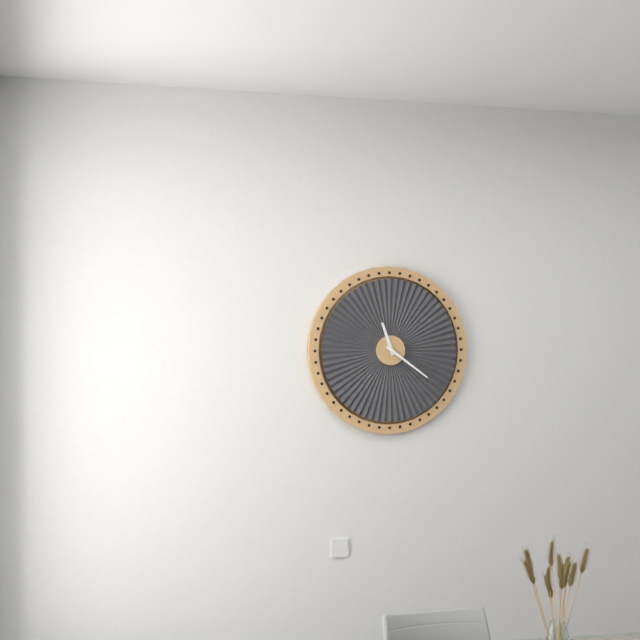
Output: 11h21
